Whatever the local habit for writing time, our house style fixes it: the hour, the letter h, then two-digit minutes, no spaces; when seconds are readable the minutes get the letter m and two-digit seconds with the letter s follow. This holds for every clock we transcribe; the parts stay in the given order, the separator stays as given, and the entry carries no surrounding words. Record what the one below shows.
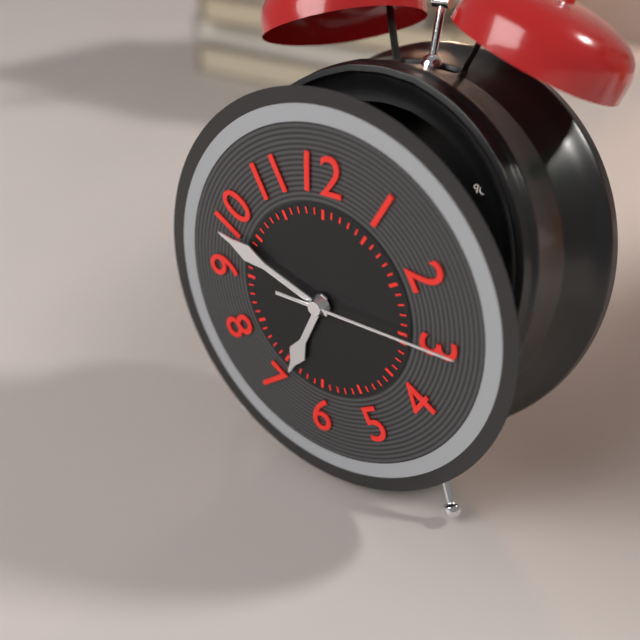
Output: 6h48m15s
